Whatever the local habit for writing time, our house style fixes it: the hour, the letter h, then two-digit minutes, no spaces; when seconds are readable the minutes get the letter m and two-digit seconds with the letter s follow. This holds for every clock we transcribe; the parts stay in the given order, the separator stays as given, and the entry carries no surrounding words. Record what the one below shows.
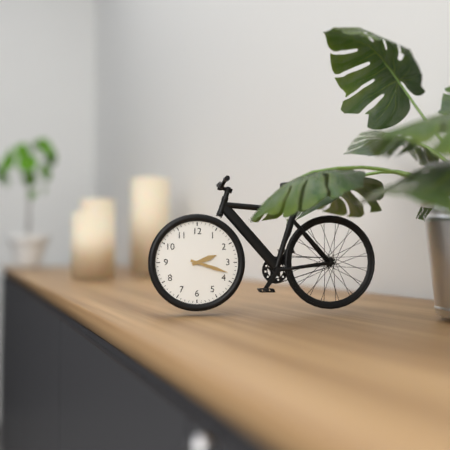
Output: 2h18
